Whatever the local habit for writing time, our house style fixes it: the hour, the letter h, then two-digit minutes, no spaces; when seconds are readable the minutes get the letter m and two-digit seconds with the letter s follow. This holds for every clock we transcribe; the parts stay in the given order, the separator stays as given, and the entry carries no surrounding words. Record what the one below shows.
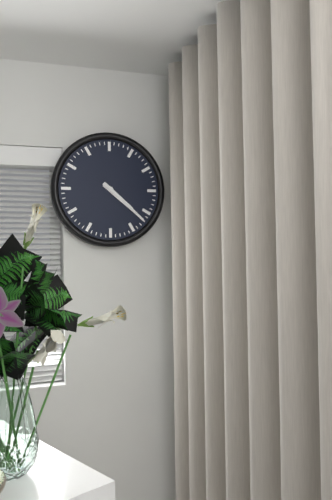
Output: 4h22
